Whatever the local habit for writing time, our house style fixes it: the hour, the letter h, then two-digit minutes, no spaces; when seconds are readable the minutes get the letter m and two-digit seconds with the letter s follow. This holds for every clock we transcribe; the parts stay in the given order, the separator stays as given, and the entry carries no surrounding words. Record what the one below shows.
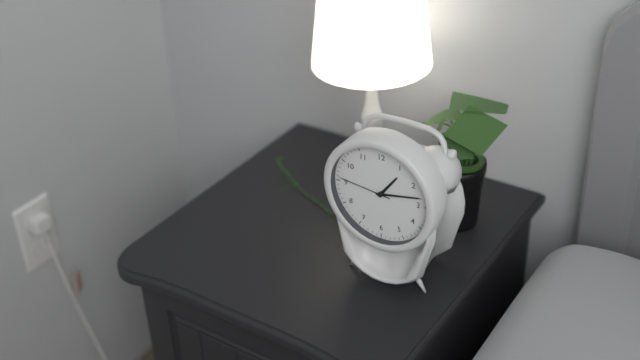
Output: 1h13m46s
